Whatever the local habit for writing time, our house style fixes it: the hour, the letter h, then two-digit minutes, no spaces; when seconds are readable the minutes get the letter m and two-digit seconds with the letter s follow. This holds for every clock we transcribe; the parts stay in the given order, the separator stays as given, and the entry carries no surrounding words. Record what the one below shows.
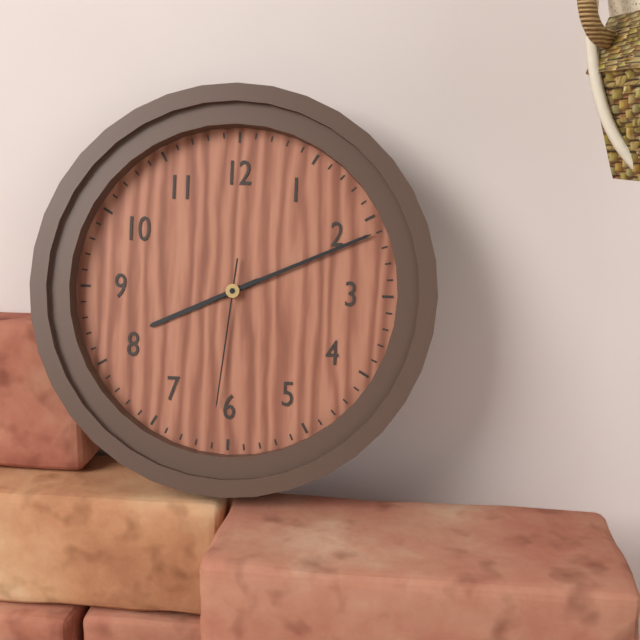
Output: 8h11m31s
